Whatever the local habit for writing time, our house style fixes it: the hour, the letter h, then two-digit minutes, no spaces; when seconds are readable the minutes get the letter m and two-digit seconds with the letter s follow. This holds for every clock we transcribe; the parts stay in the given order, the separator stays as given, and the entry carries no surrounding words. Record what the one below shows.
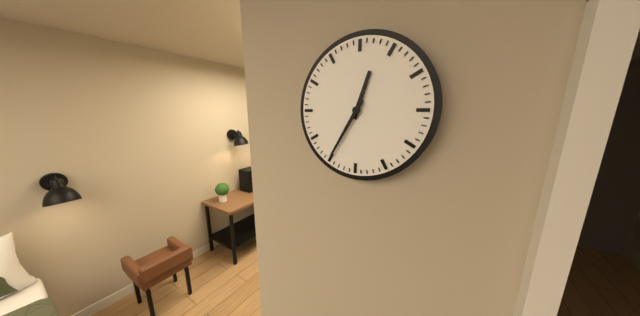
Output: 12h35
